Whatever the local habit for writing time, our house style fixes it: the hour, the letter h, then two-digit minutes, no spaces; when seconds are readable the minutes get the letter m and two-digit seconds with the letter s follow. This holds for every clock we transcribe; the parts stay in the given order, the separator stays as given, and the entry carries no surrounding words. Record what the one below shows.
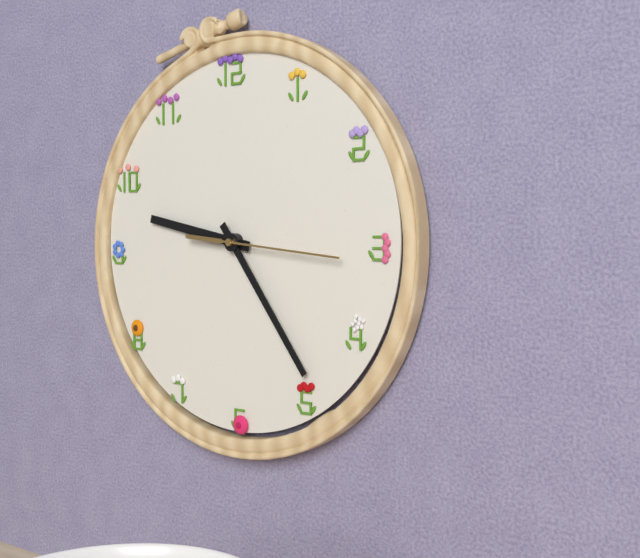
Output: 9h24m16s
